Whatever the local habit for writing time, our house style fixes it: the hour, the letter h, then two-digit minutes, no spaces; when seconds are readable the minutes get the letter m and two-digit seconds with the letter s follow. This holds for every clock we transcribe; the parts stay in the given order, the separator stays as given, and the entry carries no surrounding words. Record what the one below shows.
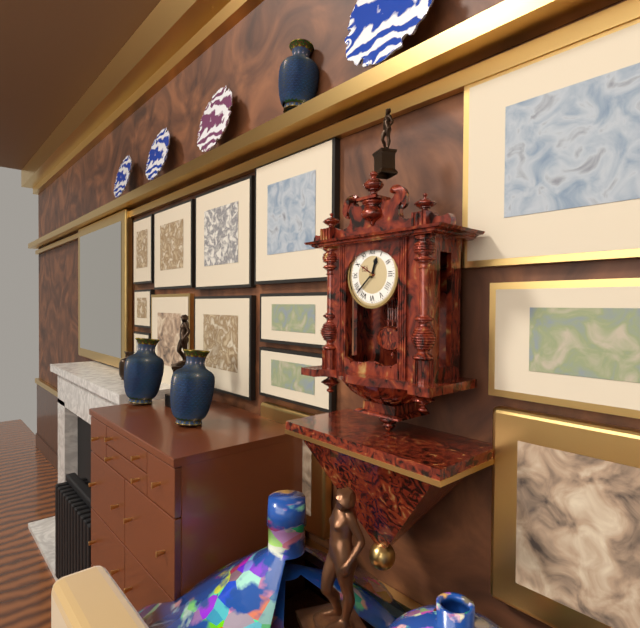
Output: 12h38
